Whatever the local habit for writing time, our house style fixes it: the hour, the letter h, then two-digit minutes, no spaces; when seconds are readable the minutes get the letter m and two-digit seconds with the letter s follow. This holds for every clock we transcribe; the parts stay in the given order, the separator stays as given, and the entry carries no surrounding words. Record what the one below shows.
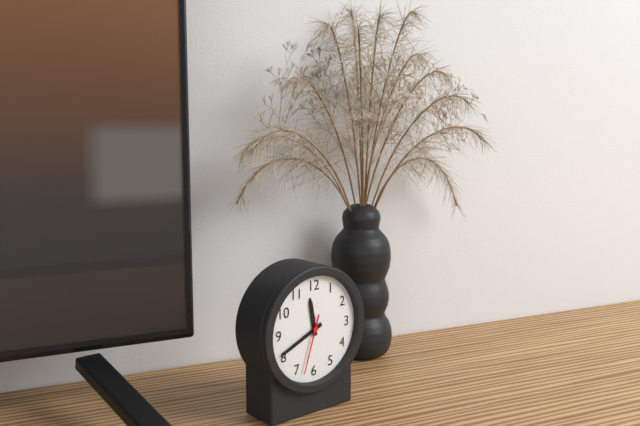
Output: 11h41m33s
